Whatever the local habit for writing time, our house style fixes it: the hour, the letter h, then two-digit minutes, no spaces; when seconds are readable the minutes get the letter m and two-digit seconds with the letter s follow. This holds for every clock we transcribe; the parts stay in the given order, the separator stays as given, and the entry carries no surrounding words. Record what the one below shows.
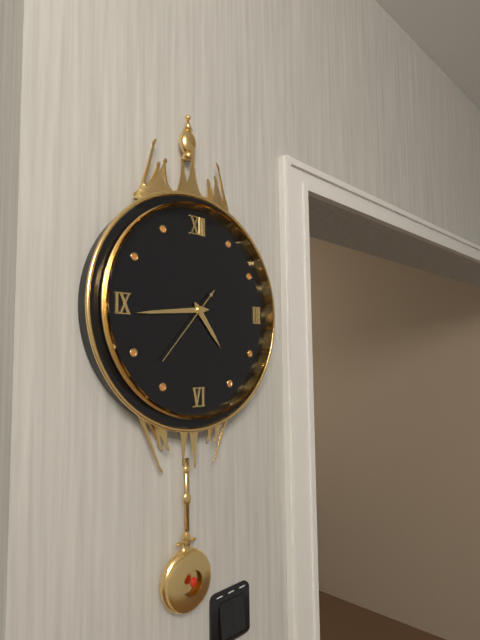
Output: 4h44m37s
